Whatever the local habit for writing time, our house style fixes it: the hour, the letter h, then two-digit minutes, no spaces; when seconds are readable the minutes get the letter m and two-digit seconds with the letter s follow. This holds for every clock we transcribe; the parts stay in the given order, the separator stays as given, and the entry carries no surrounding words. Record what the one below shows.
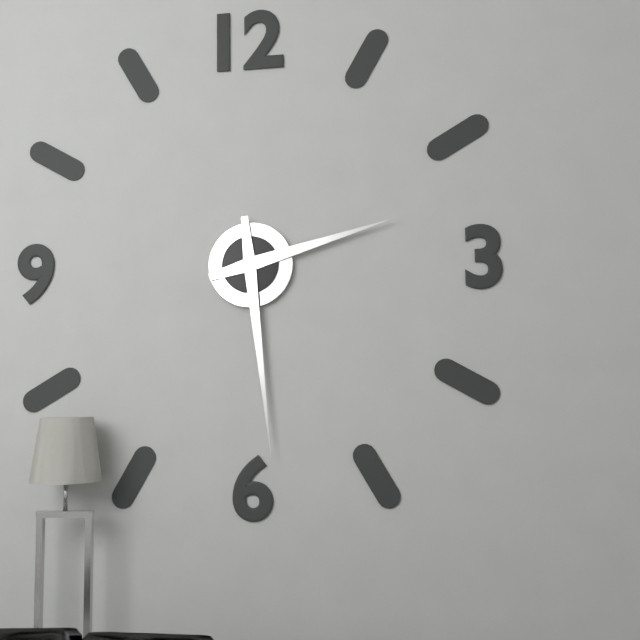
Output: 2h29
